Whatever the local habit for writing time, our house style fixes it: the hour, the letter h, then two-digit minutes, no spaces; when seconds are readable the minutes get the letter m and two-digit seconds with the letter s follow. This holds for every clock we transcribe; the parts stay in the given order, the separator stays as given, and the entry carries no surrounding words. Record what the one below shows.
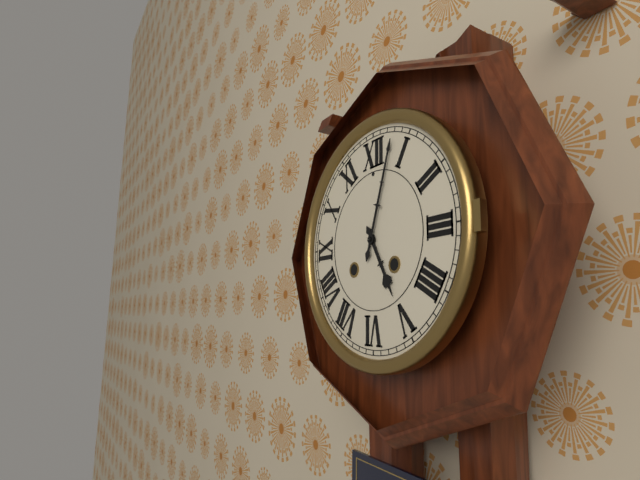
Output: 5h03
